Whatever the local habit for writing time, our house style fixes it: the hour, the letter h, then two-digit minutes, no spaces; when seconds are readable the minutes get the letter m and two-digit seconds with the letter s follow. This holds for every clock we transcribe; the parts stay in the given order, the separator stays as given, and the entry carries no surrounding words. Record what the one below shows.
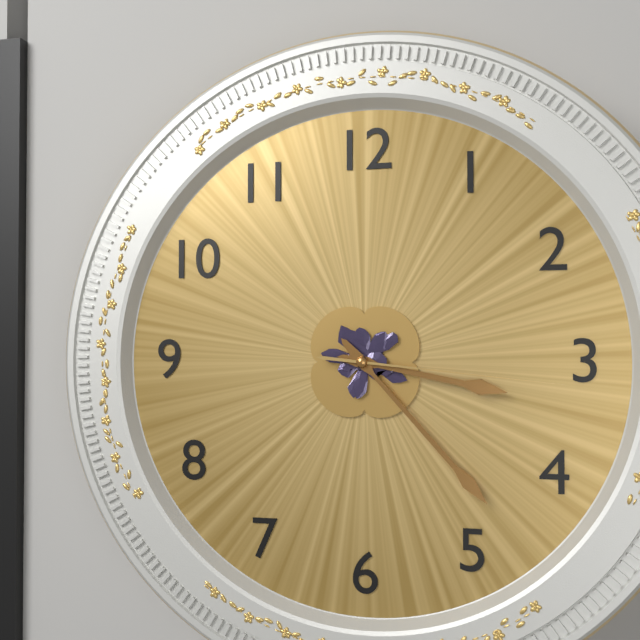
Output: 3h23m16s
